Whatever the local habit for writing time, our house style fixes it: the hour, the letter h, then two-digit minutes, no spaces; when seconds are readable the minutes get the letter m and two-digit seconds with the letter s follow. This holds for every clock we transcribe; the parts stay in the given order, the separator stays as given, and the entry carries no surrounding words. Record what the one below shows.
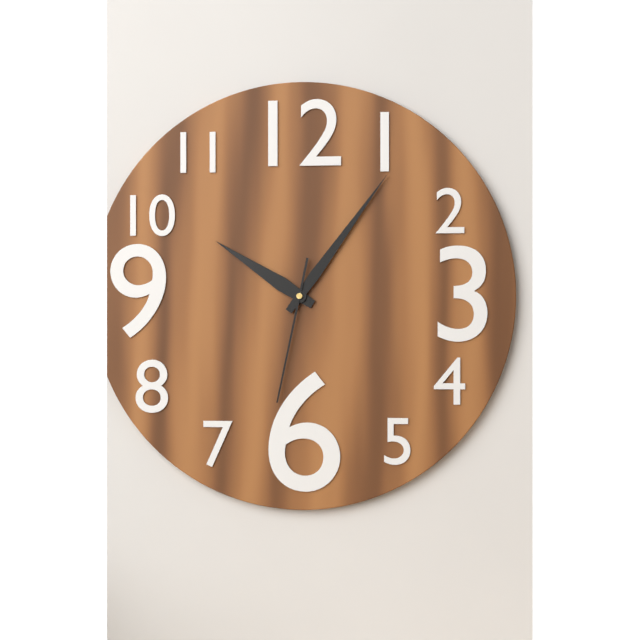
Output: 10h06m32s
